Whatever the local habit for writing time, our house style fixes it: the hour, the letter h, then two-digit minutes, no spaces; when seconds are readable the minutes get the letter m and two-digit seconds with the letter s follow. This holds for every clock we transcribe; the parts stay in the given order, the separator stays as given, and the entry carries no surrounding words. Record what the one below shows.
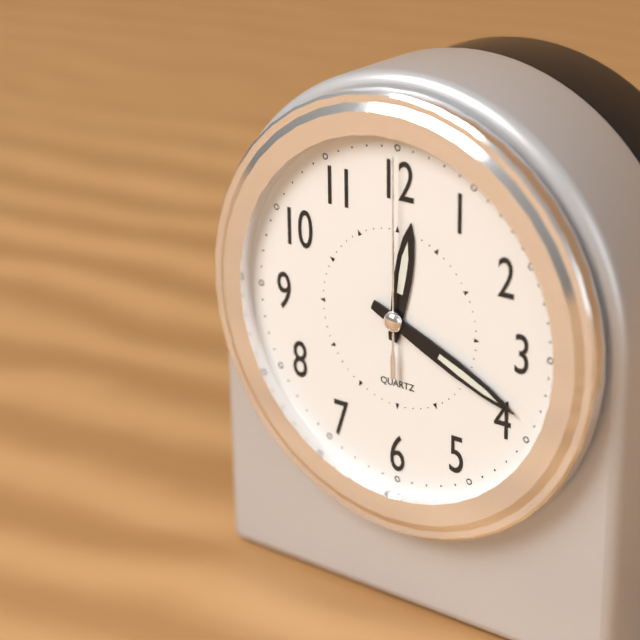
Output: 12h19m00s
